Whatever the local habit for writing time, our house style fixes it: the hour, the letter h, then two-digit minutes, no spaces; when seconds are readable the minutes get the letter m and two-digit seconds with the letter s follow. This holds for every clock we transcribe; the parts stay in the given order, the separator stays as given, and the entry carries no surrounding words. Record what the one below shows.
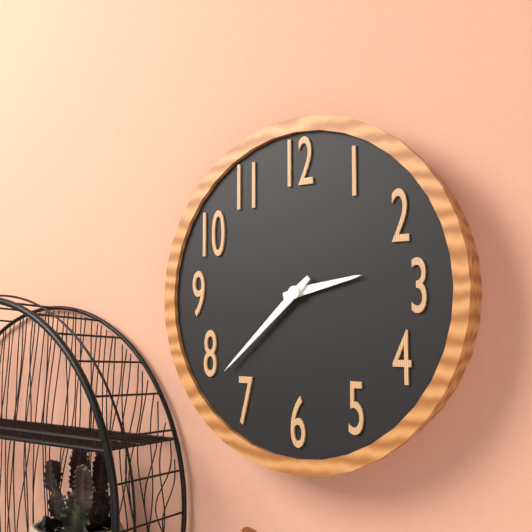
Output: 2h38
